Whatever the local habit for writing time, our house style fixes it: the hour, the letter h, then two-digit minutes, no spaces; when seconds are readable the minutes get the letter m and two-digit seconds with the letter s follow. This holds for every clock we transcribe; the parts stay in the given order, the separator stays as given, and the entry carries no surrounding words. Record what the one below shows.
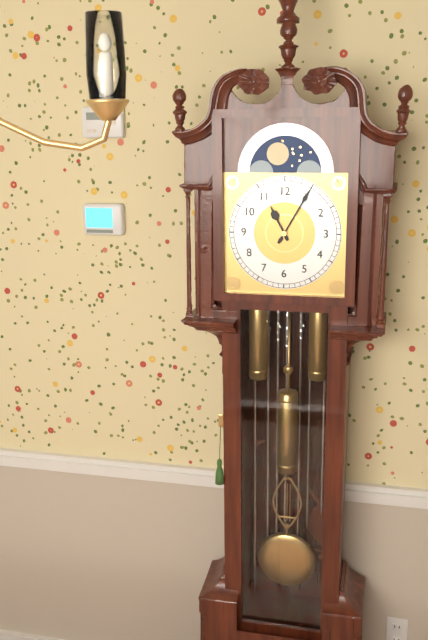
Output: 11h05
